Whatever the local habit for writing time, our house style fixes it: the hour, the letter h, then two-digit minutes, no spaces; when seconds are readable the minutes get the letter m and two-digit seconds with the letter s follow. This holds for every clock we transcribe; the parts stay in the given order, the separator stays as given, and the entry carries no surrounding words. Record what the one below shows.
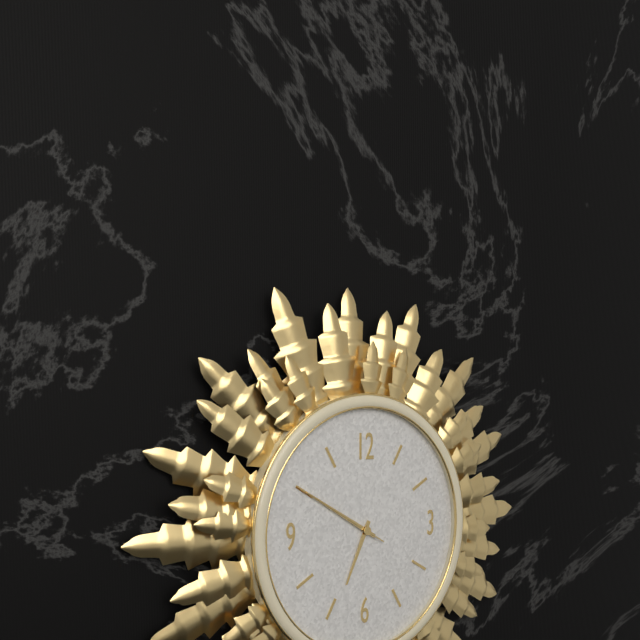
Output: 6h50m50s
